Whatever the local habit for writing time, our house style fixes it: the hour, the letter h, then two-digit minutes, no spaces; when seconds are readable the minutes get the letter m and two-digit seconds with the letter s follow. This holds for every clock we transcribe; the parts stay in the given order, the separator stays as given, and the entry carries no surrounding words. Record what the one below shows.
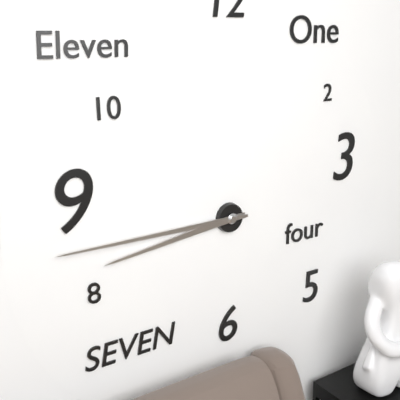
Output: 8h45
